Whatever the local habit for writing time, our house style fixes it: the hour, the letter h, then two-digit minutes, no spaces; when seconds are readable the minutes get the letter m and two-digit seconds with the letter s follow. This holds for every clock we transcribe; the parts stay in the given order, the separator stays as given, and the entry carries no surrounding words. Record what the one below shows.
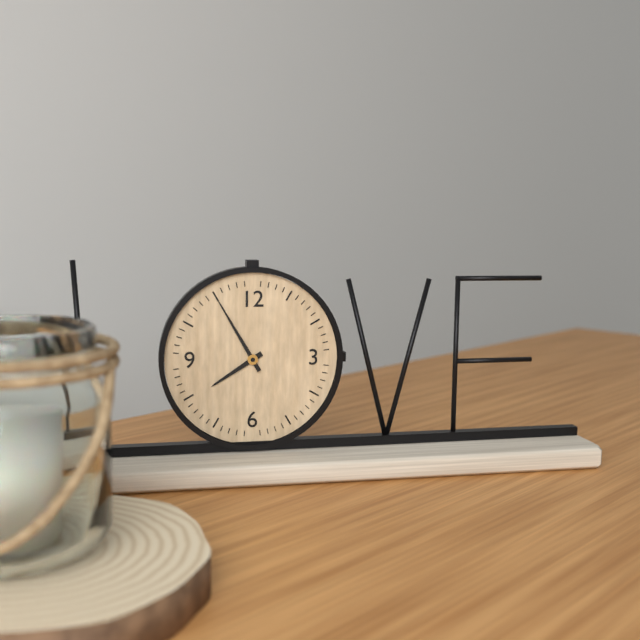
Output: 7h55
